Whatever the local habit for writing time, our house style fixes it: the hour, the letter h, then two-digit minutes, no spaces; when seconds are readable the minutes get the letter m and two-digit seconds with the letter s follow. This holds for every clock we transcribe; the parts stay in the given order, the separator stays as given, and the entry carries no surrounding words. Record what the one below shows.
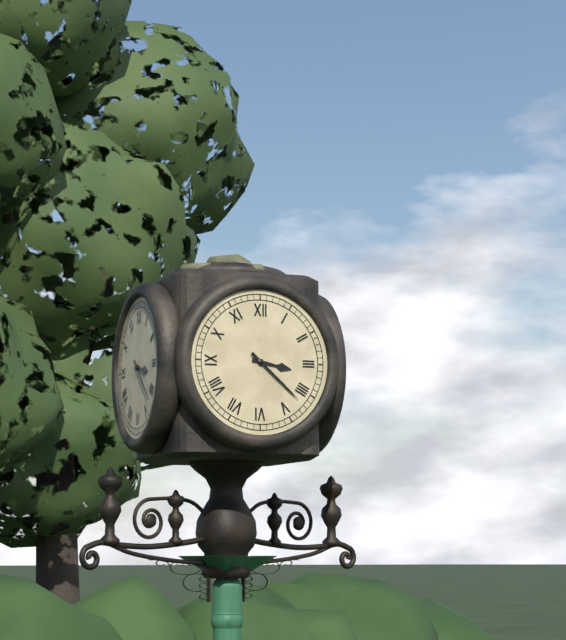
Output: 3h22
